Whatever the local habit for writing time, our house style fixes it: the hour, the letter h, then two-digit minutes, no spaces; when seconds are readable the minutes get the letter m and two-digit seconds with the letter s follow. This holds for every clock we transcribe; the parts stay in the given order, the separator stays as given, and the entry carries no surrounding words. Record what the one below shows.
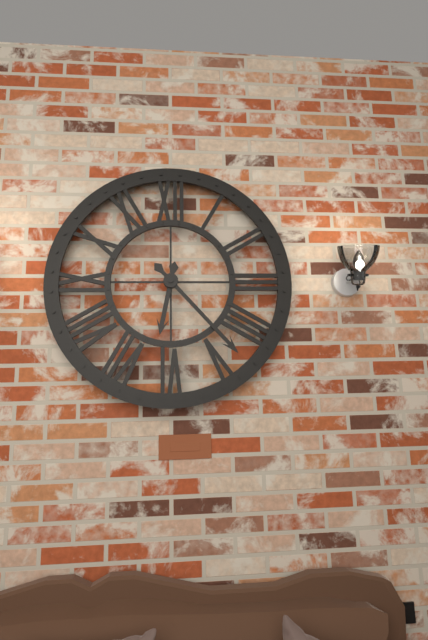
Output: 6h23
